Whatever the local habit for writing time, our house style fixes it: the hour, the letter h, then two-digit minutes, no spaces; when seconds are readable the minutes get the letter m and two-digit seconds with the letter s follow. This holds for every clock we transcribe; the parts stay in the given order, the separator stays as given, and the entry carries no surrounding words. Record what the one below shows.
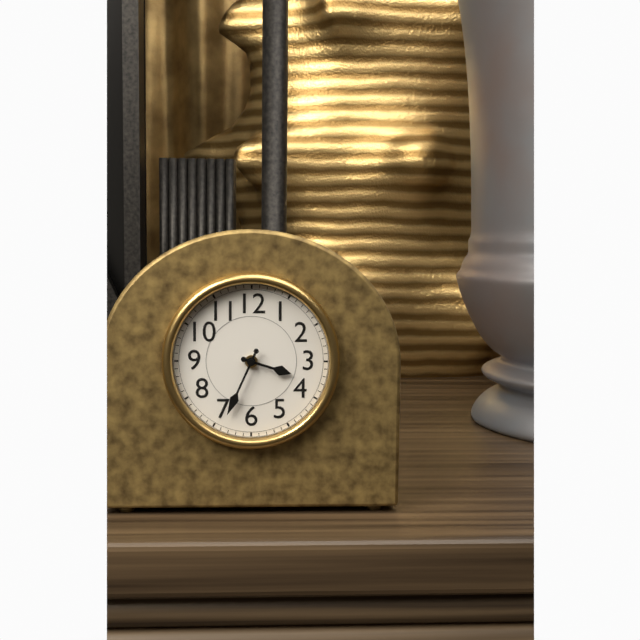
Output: 3h34
